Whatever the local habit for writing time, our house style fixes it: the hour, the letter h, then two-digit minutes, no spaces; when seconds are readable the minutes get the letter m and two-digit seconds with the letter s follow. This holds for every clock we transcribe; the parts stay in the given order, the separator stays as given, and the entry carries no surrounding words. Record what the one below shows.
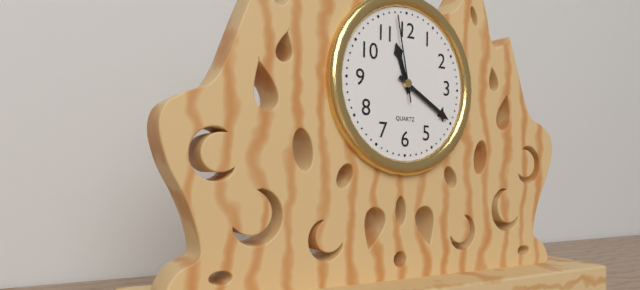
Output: 11h20m58s
